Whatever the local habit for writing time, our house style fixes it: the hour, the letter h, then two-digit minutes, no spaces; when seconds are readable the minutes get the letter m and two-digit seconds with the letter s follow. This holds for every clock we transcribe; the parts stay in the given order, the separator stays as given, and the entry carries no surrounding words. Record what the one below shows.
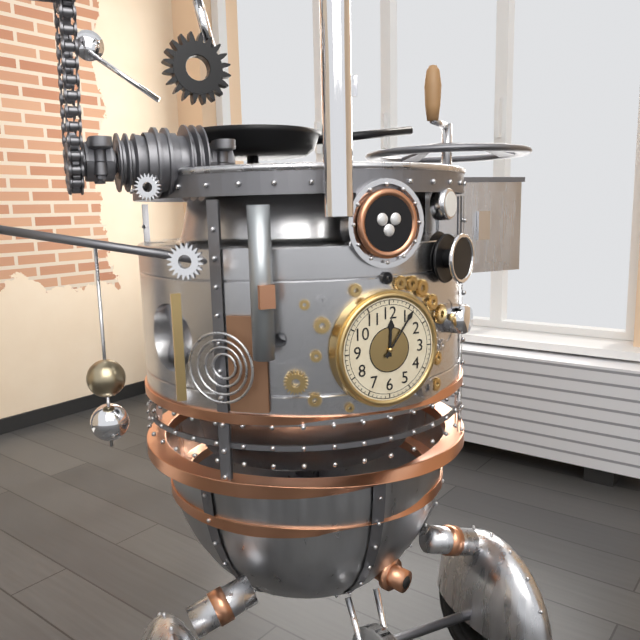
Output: 12h06
